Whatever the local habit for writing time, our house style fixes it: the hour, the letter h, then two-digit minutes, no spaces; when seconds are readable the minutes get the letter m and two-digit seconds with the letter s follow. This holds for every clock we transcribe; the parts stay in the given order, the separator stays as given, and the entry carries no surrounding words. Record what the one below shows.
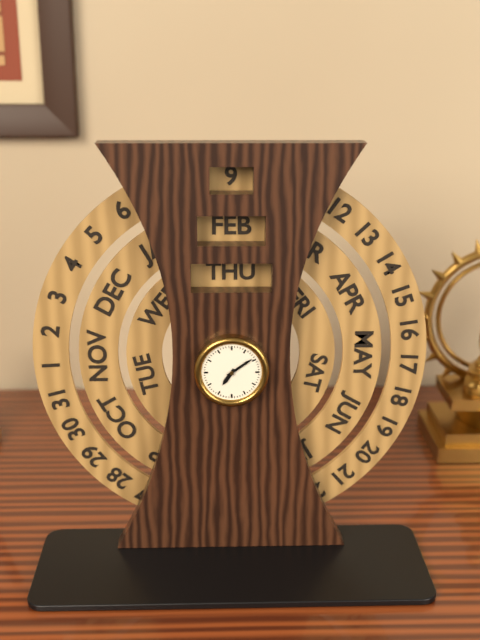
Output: 7h09
